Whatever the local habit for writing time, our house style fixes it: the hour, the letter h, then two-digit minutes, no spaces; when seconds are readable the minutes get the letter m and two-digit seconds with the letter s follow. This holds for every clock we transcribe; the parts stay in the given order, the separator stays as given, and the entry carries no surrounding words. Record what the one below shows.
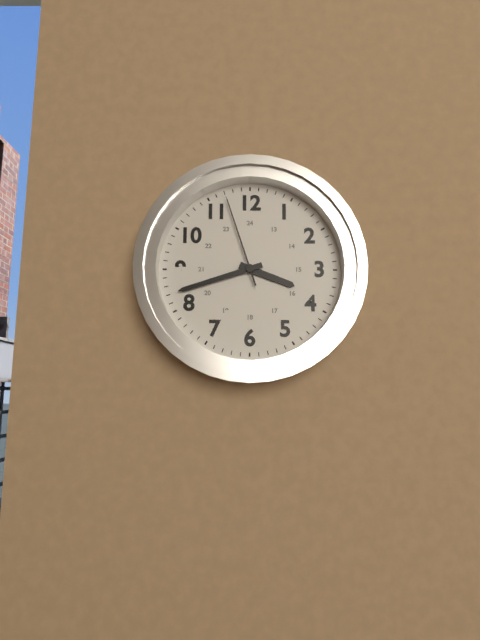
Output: 3h42m57s
